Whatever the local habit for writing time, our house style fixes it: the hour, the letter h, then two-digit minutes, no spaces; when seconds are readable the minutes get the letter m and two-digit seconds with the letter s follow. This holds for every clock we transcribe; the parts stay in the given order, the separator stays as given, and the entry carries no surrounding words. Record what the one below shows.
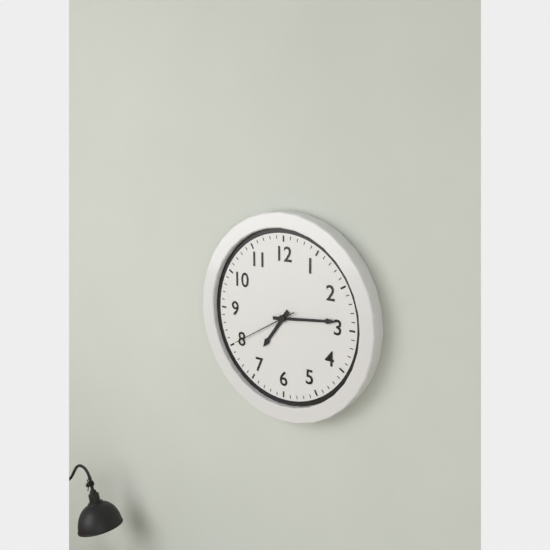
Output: 7h14m40s
